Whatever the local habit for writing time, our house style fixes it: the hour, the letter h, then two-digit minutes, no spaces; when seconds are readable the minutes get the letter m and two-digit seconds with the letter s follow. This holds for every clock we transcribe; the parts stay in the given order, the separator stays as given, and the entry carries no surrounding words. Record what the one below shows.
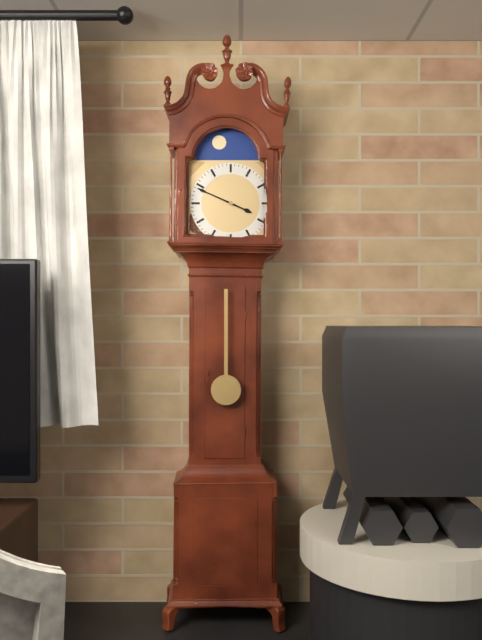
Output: 3h49
